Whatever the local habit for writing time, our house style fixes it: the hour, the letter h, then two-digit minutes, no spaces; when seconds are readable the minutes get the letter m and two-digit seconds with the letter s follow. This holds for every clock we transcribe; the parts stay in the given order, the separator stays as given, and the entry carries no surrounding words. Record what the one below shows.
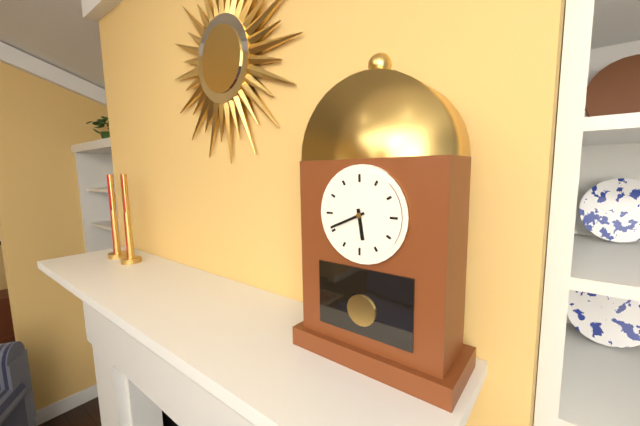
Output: 5h41
